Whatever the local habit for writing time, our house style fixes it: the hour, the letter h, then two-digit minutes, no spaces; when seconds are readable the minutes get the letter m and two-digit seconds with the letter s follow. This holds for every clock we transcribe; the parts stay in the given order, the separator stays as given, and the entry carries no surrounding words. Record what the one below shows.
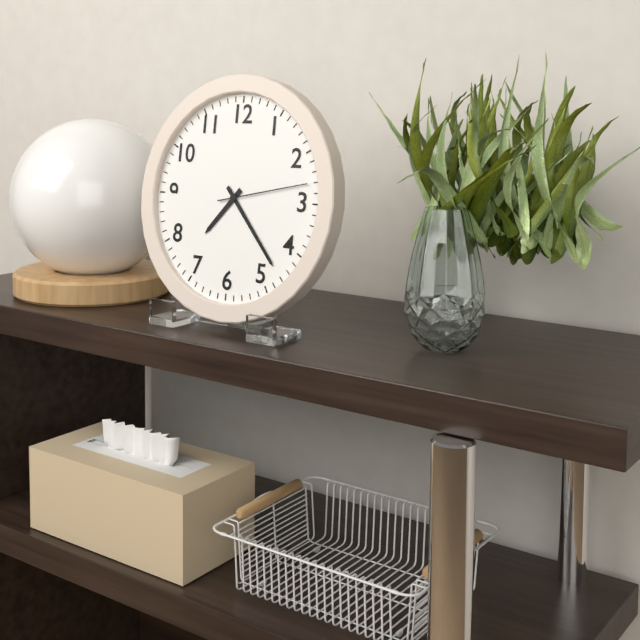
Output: 7h23m13s
